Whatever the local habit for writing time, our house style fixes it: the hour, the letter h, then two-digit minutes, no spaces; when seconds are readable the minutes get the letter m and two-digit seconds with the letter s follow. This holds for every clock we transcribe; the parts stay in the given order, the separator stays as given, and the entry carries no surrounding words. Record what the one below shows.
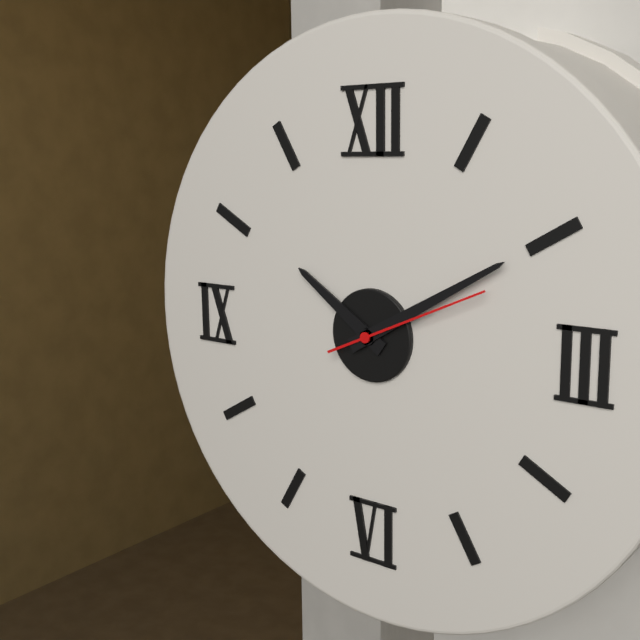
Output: 10h10m11s
